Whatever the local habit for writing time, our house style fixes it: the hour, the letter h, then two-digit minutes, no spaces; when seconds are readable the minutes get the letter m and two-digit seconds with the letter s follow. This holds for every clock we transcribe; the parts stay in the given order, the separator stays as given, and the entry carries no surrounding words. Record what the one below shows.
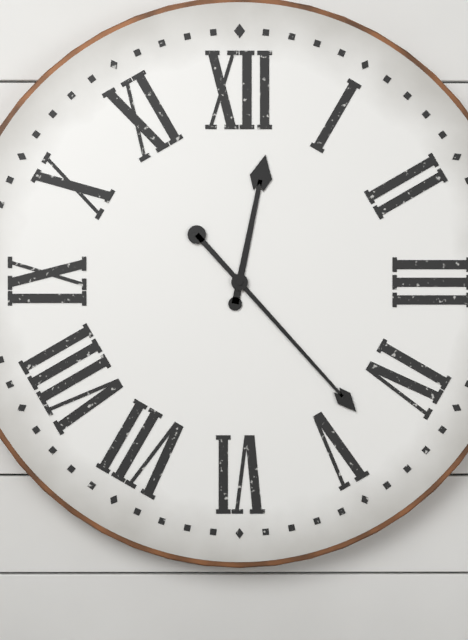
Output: 12h23
